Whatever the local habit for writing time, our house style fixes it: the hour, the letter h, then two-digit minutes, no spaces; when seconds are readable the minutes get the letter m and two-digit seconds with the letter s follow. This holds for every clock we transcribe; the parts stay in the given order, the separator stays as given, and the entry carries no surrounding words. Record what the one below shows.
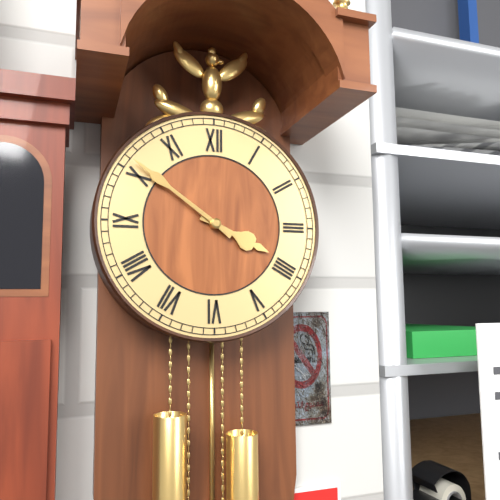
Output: 3h51
